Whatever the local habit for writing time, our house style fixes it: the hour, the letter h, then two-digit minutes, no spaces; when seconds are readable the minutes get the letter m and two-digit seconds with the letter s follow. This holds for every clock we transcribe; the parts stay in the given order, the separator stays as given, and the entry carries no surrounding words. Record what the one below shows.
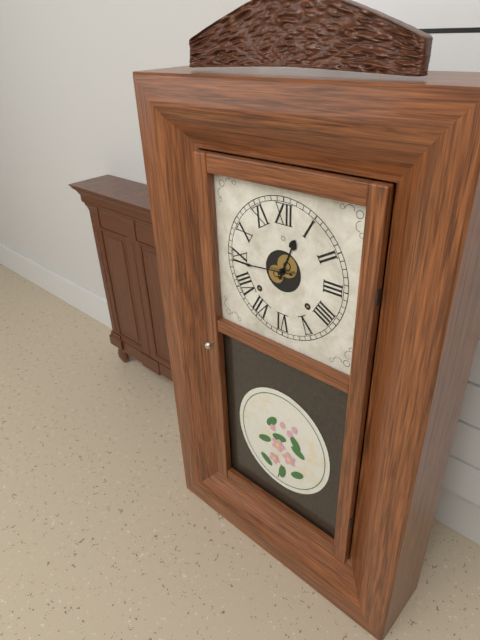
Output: 12h44
